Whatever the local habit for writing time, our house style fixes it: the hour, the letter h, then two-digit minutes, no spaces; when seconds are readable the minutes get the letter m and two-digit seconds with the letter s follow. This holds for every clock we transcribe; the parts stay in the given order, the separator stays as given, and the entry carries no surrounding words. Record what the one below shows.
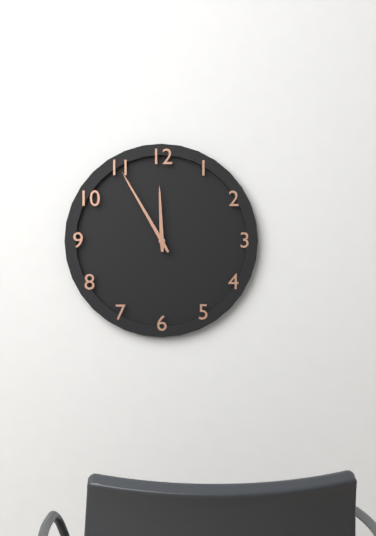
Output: 11h55
